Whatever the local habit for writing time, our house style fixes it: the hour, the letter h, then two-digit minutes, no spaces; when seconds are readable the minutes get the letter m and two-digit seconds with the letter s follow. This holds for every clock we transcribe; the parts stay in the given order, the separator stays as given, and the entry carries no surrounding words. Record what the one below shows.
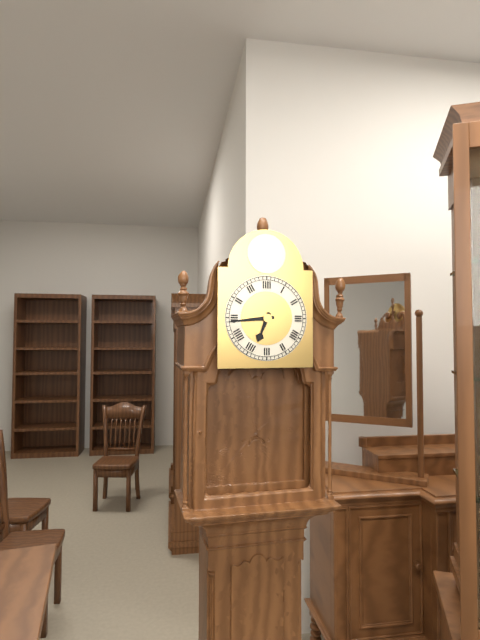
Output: 6h44
